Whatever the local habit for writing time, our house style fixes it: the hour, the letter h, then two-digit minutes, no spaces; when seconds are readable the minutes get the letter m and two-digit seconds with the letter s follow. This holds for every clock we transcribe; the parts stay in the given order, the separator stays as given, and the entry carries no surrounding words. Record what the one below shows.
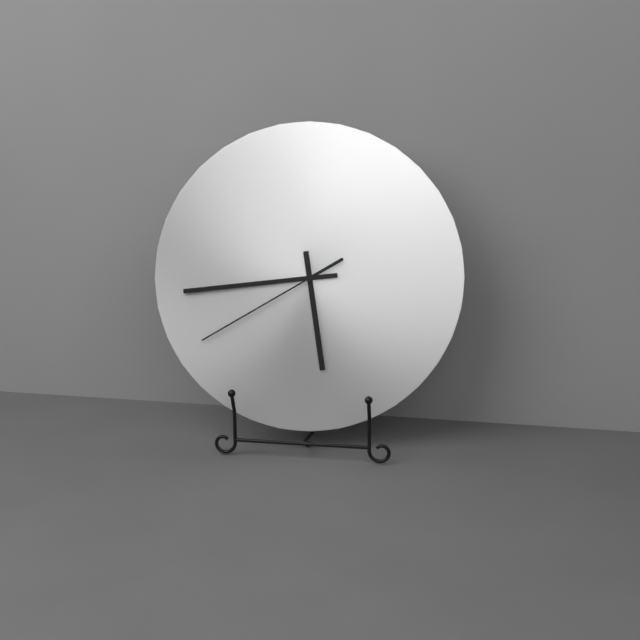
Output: 5h44m40s
